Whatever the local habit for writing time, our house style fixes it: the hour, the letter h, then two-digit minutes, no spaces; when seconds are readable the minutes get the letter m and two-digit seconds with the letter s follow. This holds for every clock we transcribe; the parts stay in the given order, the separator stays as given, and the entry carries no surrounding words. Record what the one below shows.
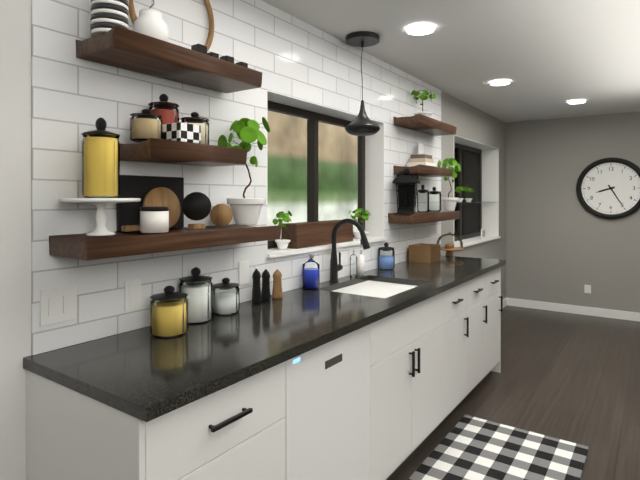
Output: 8h25
